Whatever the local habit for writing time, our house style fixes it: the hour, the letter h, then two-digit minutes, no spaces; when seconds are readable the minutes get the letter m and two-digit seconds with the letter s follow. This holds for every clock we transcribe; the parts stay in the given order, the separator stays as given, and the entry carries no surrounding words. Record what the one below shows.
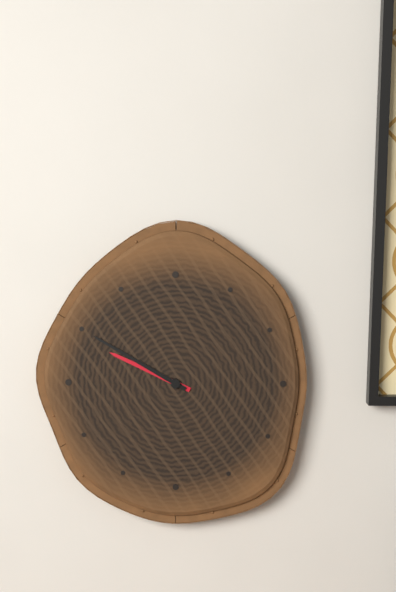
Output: 9h50
